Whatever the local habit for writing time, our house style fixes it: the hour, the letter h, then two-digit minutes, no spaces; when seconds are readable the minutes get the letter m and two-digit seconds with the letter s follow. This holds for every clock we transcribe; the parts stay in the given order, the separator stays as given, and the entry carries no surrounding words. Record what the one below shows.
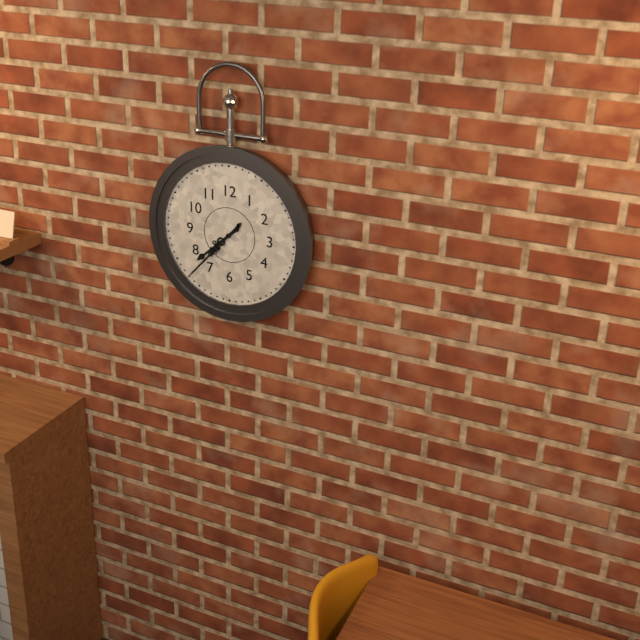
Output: 7h37
